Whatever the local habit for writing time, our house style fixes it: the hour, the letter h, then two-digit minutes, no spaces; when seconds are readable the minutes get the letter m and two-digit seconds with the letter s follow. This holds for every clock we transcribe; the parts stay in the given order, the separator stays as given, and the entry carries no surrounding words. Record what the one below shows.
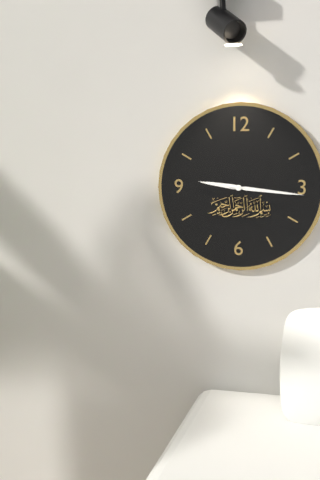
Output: 9h16
